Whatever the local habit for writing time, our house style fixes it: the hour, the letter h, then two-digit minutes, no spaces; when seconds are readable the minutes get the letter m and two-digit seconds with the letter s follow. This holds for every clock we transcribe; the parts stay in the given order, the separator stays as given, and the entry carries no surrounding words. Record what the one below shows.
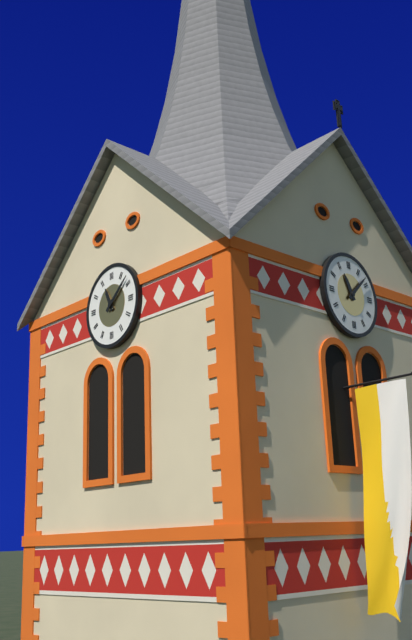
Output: 11h08
